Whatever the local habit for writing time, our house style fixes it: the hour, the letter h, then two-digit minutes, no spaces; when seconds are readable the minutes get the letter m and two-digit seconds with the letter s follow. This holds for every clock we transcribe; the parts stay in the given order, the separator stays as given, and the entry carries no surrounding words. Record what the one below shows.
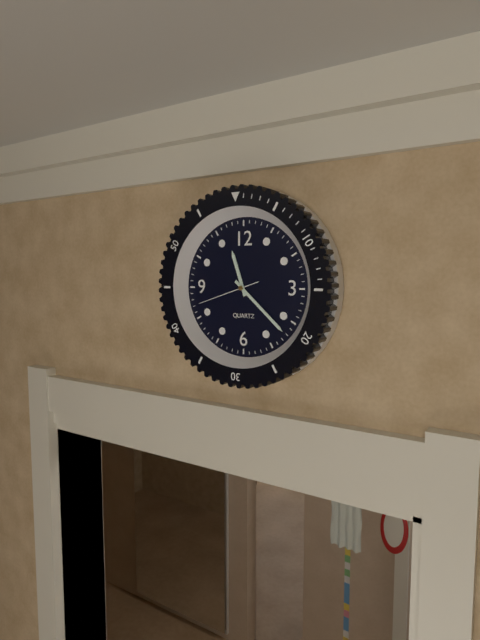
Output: 11h22m42s
